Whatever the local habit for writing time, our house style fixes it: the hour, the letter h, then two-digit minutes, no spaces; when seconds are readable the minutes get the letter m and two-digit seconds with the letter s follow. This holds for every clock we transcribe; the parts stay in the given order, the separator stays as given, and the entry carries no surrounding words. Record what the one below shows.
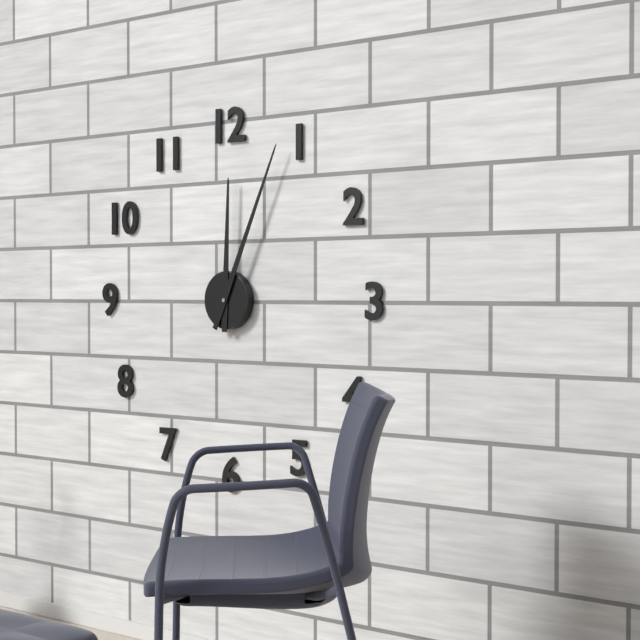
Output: 12h04
